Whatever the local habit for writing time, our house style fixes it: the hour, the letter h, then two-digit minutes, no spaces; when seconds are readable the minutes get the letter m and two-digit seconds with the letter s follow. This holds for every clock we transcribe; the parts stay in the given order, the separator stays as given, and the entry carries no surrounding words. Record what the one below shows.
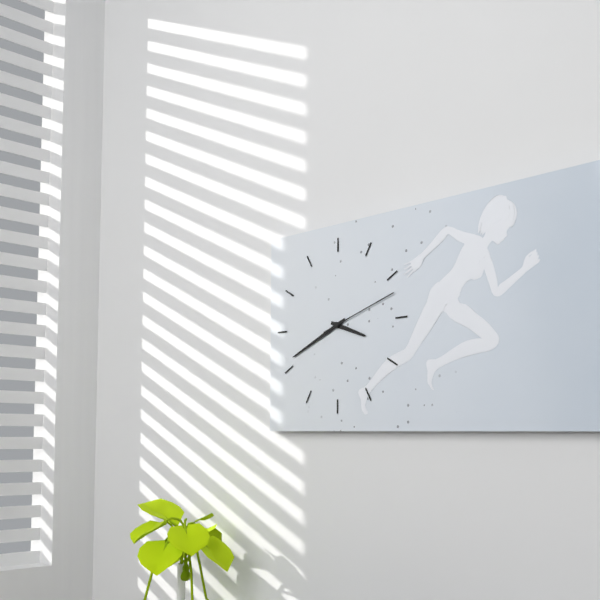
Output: 3h41m12s
